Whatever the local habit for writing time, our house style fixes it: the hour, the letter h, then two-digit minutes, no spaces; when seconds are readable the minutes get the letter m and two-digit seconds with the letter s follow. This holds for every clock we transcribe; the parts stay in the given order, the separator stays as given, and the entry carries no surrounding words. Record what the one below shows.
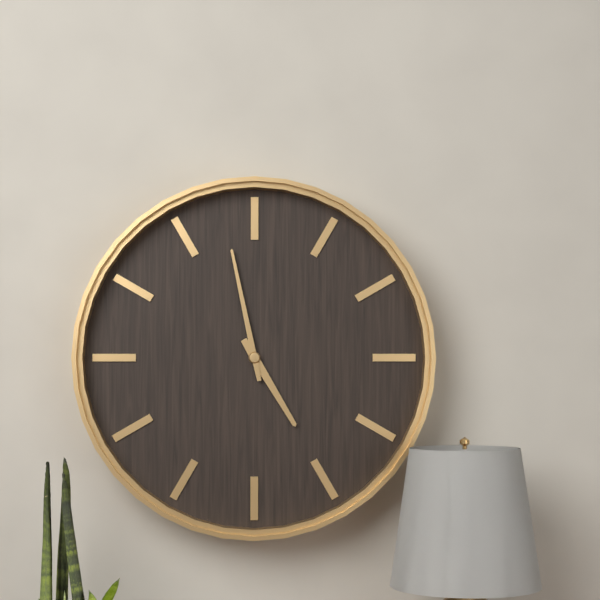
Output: 4h58
